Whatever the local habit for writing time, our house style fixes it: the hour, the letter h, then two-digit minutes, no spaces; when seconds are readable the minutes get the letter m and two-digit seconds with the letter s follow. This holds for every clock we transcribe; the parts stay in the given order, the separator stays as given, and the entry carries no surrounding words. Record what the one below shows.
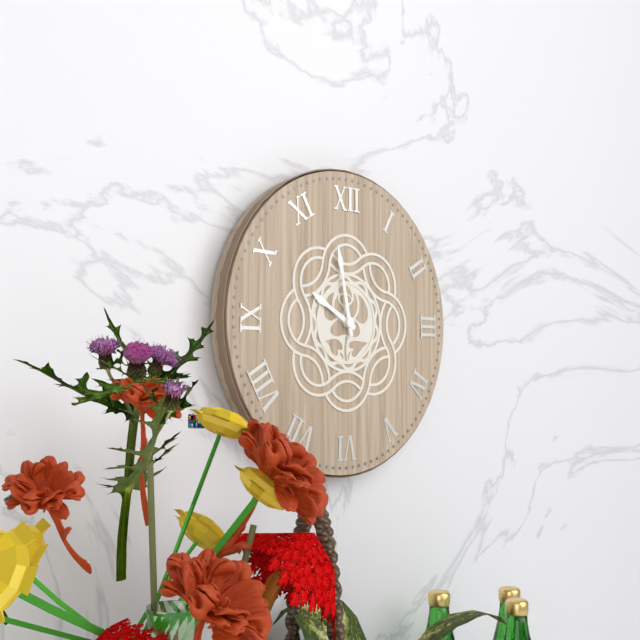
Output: 9h58
